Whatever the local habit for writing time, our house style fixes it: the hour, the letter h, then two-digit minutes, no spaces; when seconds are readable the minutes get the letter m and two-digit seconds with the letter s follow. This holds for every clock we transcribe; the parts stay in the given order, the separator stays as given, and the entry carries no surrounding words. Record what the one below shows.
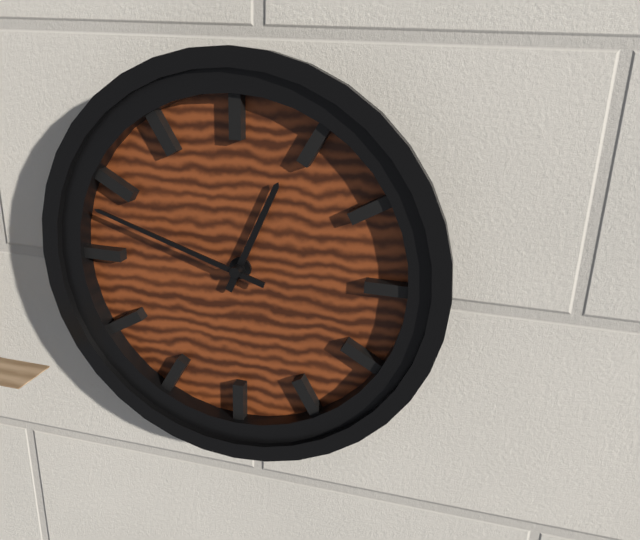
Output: 12h48
